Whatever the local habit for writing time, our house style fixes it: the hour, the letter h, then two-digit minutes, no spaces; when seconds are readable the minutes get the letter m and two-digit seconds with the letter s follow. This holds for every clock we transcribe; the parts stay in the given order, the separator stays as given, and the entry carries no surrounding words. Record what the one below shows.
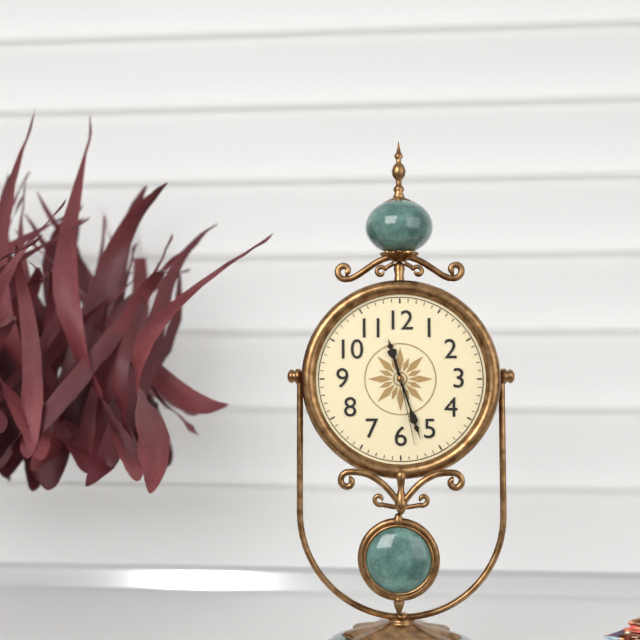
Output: 11h27m28s
